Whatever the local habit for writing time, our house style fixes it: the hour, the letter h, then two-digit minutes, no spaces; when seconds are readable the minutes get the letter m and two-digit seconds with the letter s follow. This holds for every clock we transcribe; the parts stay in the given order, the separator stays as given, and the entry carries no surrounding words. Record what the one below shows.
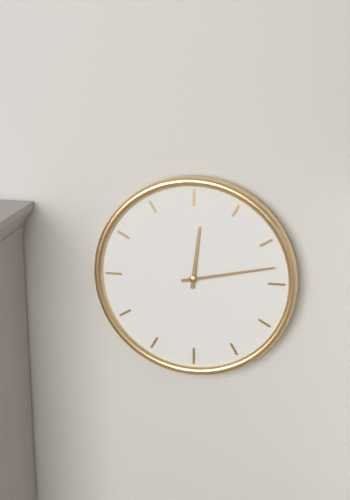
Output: 12h13
